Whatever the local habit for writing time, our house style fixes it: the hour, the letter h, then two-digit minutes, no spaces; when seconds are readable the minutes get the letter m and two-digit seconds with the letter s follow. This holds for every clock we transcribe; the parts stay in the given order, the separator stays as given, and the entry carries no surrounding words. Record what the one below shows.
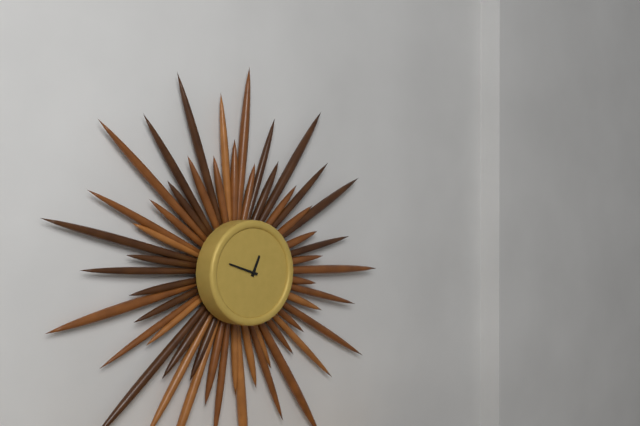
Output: 12h48
